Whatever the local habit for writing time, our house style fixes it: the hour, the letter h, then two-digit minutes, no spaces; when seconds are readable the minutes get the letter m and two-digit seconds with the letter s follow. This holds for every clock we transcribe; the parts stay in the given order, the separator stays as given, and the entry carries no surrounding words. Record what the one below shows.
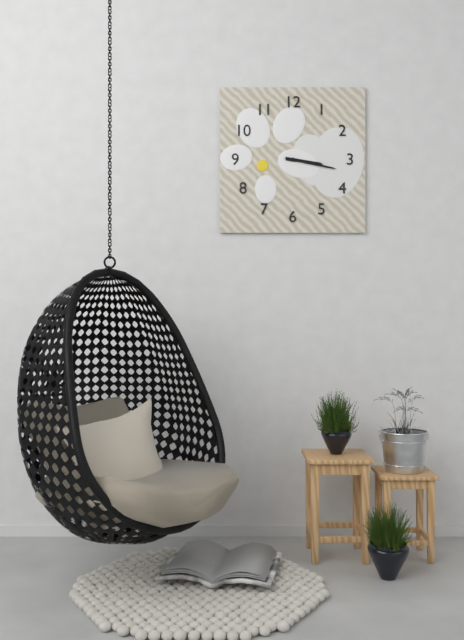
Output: 3h17
